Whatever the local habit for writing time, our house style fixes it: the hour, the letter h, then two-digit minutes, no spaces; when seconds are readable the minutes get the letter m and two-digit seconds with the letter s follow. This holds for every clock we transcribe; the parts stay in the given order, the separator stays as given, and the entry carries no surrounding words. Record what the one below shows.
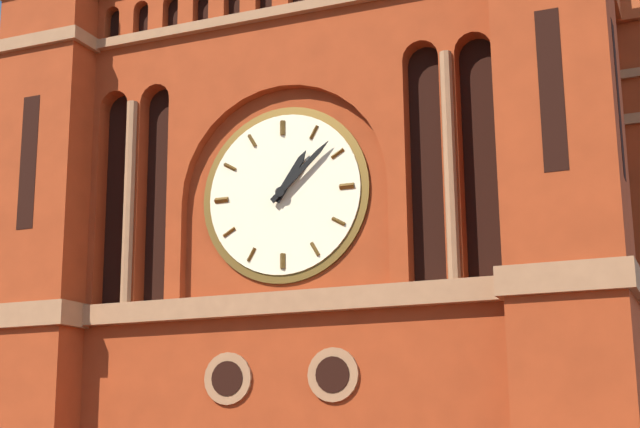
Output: 1h08
